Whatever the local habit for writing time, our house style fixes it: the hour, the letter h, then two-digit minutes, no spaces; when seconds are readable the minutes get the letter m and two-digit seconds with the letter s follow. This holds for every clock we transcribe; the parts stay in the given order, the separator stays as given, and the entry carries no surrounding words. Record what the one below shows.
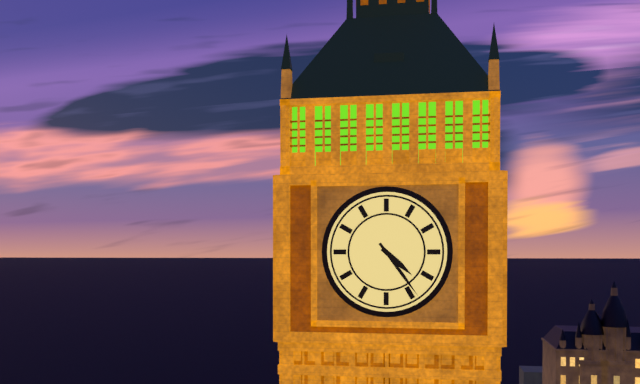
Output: 4h24
